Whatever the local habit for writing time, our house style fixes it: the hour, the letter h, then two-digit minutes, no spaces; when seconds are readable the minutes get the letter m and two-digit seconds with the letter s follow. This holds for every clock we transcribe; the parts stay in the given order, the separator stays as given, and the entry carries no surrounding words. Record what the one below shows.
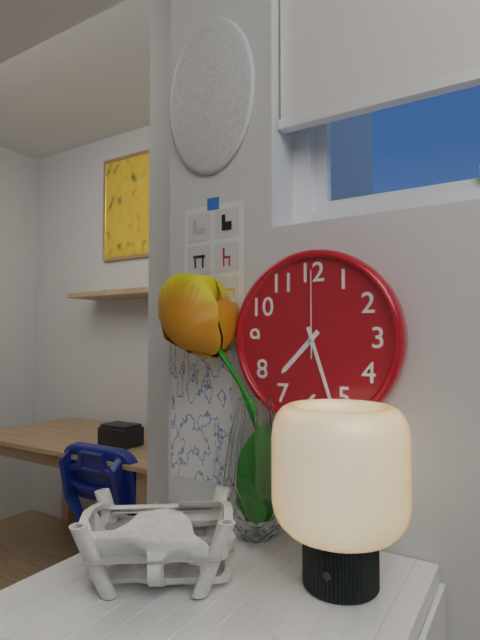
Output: 7h27m00s
